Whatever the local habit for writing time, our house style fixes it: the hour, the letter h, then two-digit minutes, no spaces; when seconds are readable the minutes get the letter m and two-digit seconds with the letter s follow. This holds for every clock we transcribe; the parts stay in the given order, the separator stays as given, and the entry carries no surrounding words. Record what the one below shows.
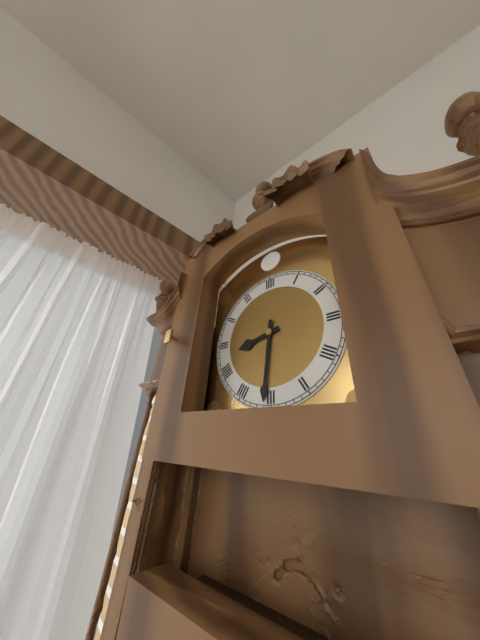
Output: 8h31
